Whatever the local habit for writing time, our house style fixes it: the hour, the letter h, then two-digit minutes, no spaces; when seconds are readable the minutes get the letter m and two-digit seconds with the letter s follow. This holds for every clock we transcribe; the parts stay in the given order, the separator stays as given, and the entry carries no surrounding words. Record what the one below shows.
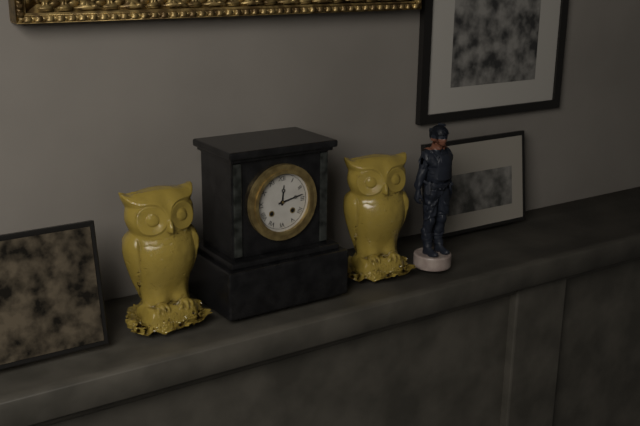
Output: 12h13
